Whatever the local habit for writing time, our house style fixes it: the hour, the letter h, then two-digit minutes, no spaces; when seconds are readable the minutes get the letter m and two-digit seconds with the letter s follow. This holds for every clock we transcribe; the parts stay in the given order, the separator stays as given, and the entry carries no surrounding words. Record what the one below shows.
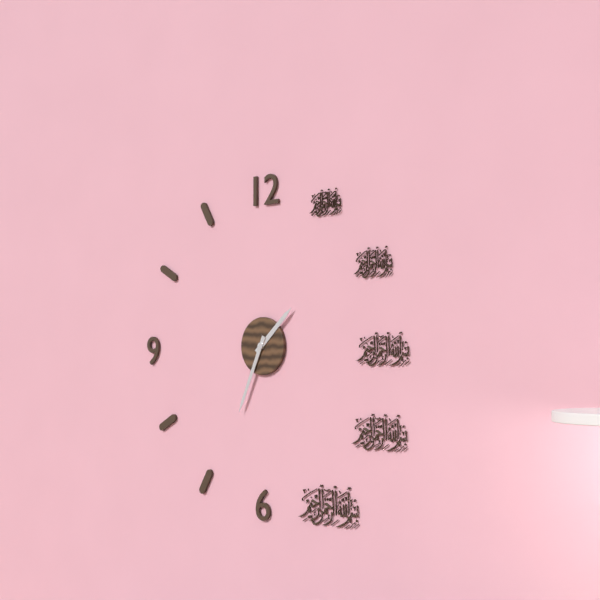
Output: 1h34
